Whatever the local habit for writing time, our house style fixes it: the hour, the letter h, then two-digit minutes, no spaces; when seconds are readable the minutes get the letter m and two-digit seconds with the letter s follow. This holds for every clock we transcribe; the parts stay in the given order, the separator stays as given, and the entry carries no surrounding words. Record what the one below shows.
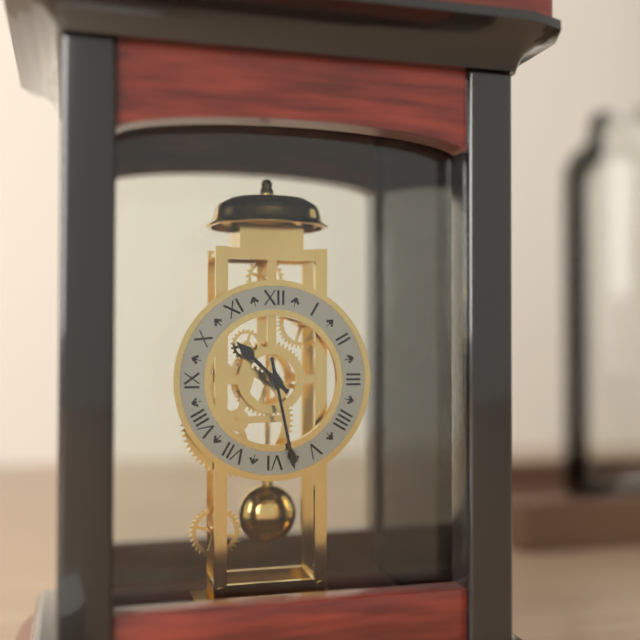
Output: 10h28
